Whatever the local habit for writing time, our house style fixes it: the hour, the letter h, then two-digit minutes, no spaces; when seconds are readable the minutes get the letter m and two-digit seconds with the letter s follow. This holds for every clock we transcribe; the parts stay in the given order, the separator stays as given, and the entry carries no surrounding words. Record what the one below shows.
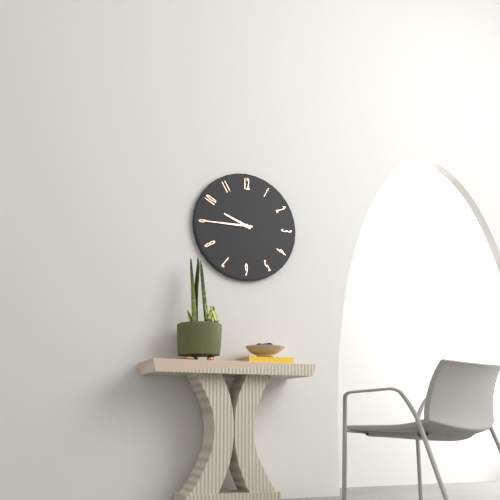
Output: 9h45
